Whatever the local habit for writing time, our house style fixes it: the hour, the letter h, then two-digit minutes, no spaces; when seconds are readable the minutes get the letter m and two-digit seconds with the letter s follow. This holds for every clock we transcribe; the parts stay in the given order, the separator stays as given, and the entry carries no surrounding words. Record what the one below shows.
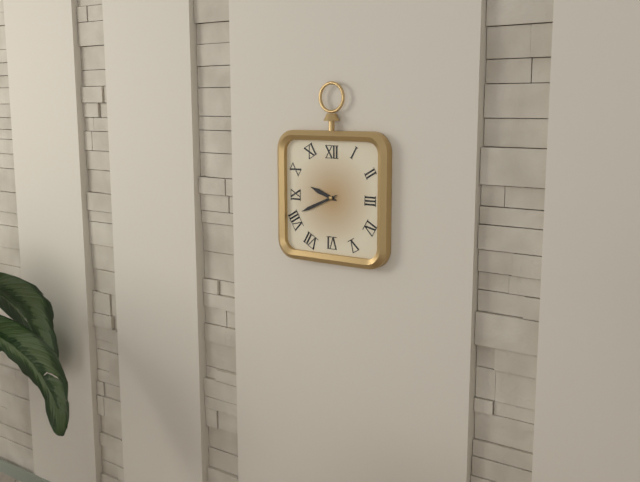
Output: 9h41
